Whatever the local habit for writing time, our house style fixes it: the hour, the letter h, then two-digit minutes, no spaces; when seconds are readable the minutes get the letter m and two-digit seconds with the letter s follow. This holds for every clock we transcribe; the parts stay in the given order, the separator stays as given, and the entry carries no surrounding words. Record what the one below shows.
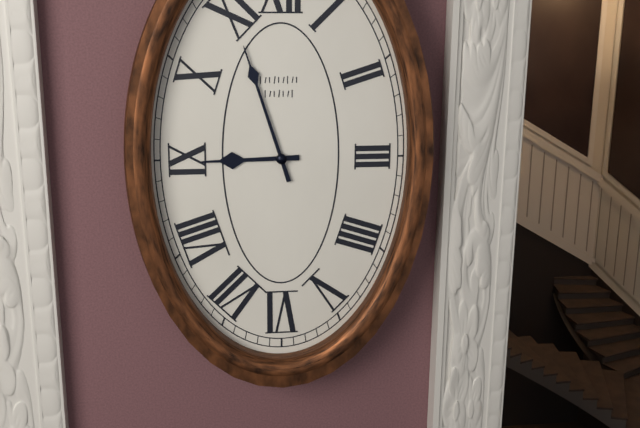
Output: 8h57
